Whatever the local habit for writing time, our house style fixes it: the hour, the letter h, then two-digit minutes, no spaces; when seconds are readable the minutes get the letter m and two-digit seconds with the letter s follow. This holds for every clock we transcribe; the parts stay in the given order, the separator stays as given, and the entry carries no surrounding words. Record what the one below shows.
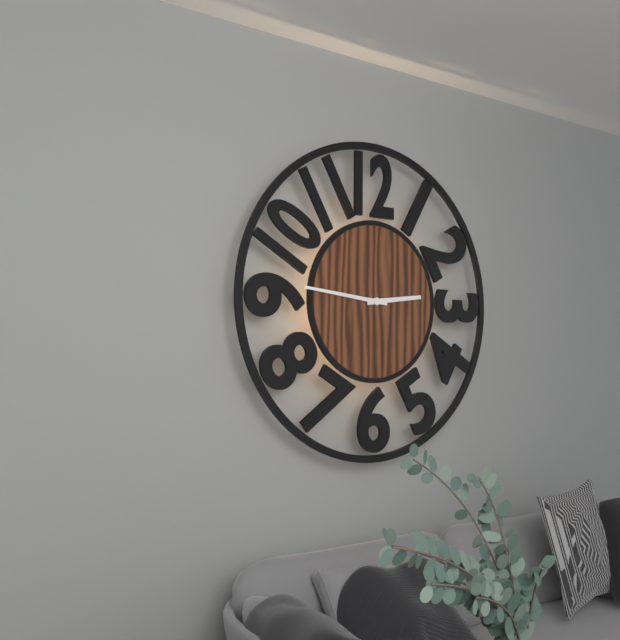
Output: 2h46
